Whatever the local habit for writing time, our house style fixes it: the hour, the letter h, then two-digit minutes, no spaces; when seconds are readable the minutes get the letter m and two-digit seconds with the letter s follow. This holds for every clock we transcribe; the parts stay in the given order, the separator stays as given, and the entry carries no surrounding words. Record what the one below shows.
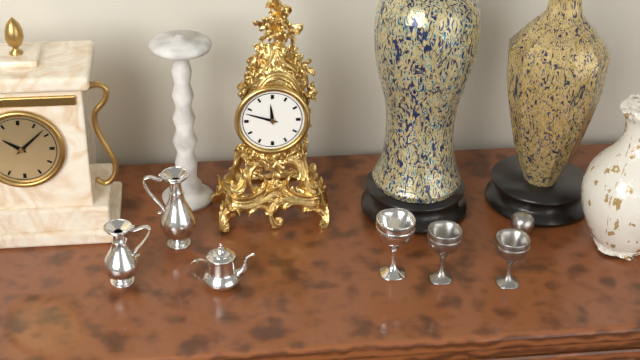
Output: 11h48
